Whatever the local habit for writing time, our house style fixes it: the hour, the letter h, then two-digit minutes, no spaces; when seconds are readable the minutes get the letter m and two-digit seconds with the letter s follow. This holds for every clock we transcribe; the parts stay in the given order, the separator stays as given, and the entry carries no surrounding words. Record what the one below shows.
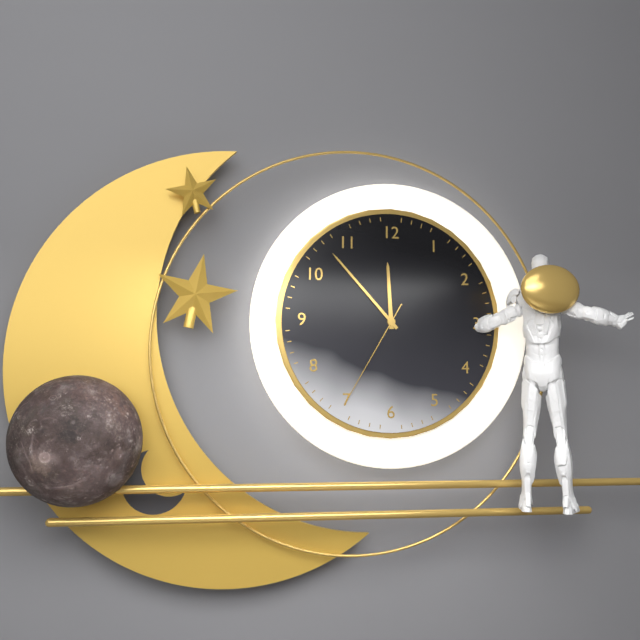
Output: 11h53m35s
